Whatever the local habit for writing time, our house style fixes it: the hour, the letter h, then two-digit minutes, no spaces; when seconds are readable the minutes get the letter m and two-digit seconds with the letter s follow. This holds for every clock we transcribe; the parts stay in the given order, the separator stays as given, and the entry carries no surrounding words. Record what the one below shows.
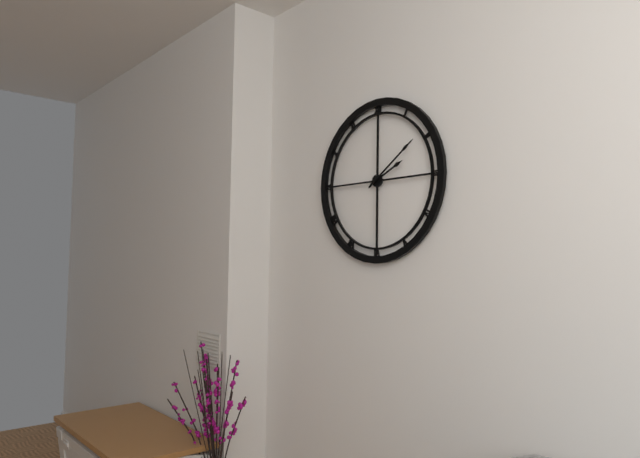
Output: 2h09
